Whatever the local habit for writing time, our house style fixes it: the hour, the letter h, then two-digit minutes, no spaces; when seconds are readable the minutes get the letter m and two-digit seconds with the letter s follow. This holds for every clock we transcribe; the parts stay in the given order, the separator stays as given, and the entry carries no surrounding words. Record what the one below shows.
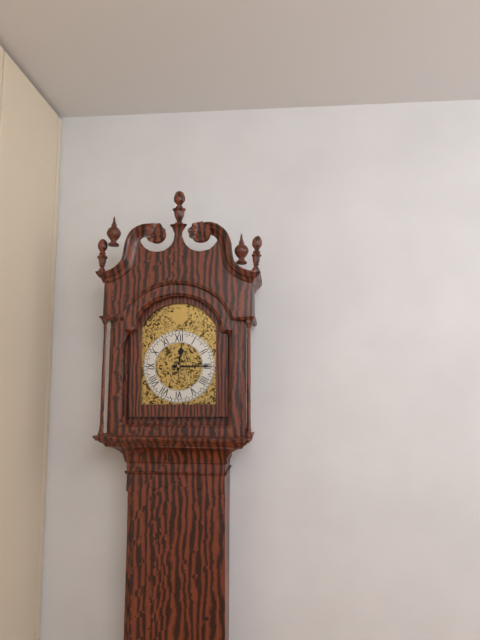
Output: 12h15
